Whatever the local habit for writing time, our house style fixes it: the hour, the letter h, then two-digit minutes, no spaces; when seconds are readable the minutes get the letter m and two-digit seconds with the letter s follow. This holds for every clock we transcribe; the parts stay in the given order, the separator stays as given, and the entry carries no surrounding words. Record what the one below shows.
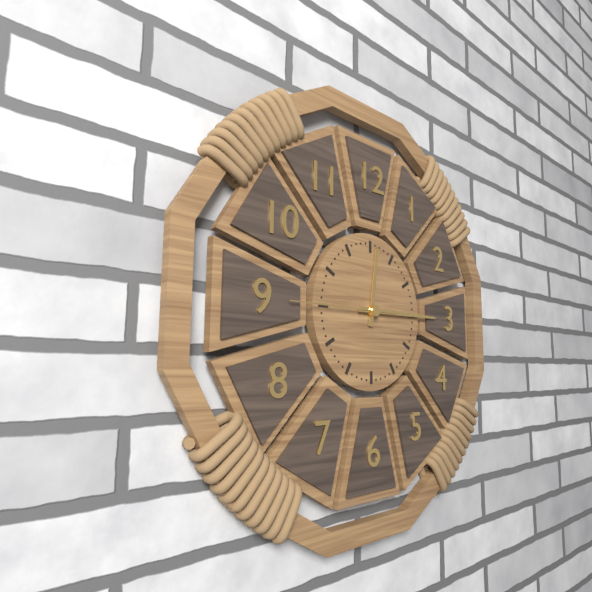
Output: 12h15m45s
